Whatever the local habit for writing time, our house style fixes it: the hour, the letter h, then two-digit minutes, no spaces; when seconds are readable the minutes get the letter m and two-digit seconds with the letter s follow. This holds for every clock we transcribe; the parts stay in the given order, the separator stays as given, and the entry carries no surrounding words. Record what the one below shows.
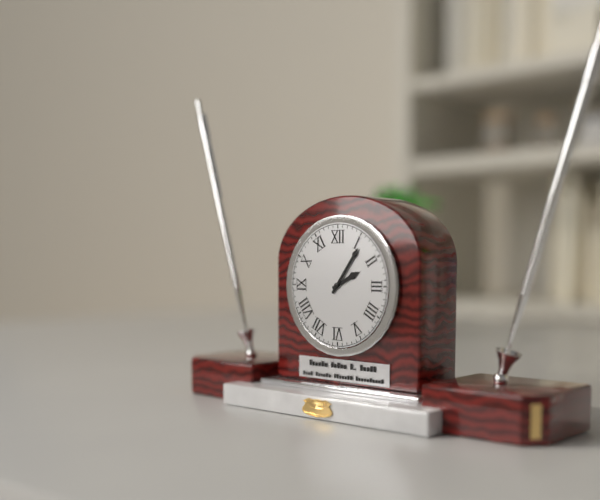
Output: 2h06
